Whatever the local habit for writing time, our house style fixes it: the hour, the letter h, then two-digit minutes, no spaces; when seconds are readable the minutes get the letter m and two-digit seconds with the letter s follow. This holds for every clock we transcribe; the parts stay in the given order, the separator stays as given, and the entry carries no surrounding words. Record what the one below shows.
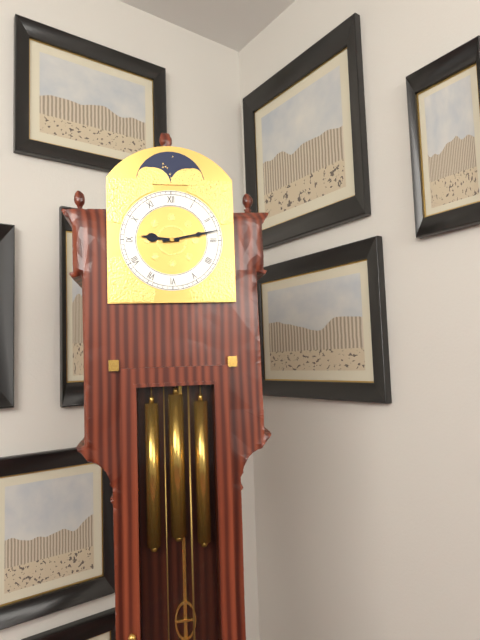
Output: 9h13
